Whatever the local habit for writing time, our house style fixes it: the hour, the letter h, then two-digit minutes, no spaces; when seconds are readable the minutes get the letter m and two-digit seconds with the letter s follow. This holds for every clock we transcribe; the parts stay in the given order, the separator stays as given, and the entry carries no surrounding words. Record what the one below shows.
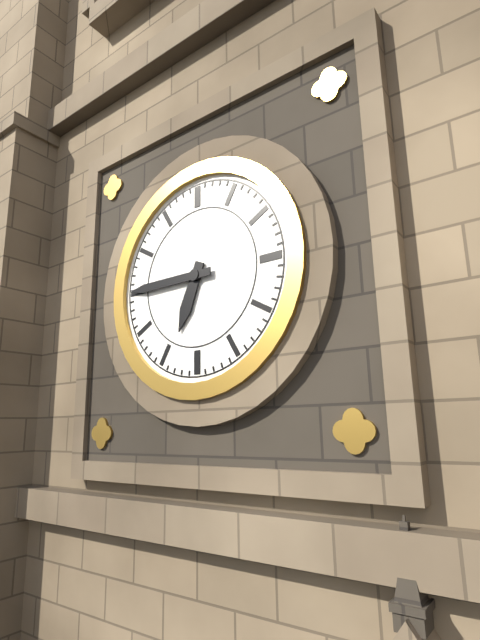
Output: 6h45
